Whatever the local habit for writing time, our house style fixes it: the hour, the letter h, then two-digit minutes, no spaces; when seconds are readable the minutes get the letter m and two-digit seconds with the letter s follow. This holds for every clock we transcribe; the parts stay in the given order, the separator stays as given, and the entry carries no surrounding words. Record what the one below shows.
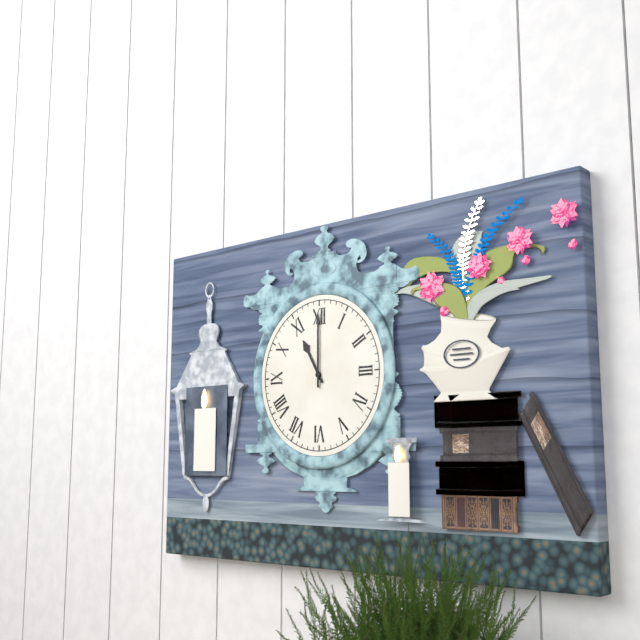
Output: 11h00
